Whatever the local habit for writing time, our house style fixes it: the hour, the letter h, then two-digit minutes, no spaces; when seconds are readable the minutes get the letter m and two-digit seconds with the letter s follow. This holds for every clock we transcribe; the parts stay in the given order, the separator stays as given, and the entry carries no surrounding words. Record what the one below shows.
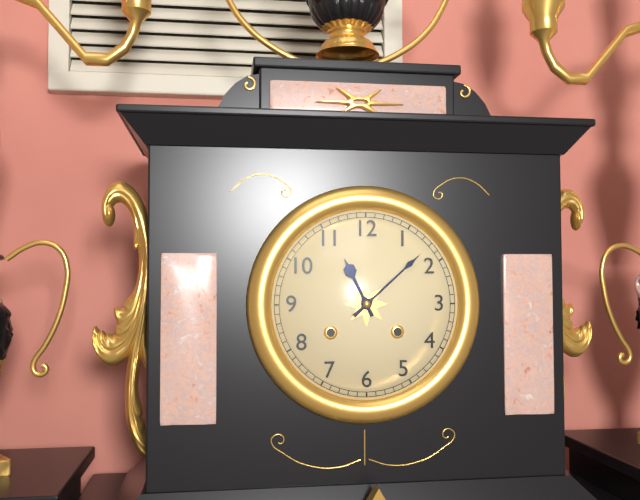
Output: 11h08
